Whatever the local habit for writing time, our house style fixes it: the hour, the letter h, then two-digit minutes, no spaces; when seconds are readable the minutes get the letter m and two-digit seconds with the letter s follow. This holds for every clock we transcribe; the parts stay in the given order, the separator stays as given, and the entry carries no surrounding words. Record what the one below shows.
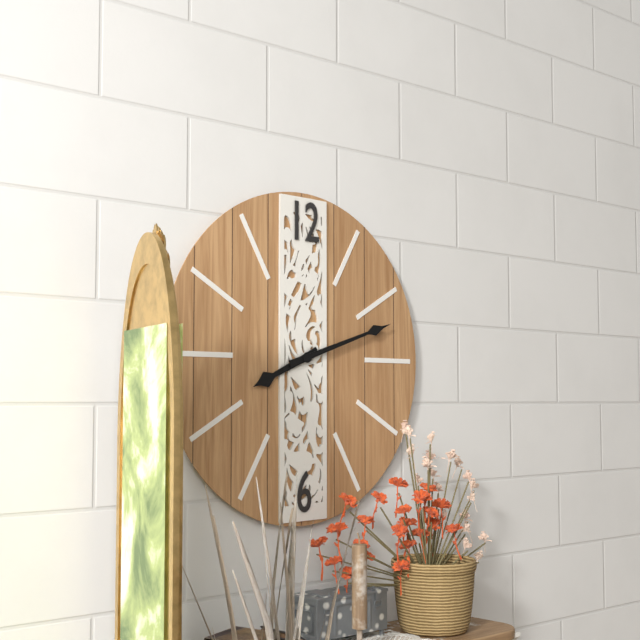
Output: 8h12
